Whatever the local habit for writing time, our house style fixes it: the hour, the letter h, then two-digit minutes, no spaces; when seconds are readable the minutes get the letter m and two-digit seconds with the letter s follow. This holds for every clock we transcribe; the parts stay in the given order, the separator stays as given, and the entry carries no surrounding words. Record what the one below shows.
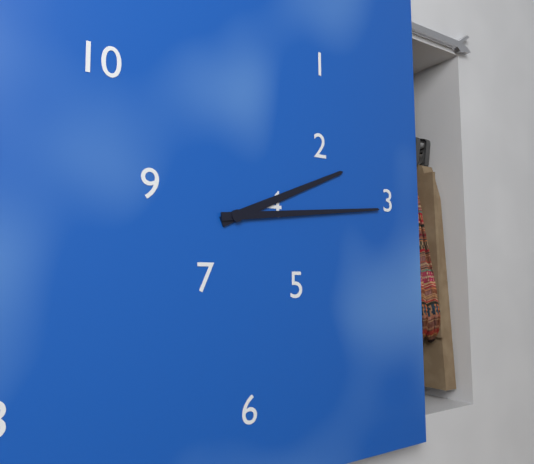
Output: 2h14
